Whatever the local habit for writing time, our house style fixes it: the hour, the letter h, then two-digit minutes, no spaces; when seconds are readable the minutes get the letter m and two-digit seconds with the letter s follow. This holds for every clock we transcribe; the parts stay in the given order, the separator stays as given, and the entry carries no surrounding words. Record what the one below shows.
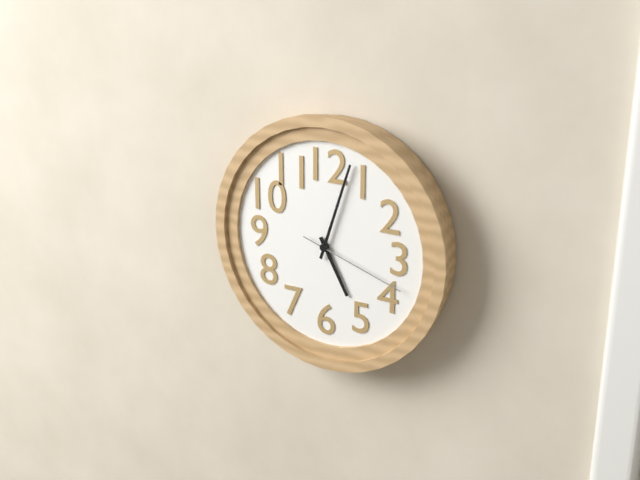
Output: 5h03m18s
